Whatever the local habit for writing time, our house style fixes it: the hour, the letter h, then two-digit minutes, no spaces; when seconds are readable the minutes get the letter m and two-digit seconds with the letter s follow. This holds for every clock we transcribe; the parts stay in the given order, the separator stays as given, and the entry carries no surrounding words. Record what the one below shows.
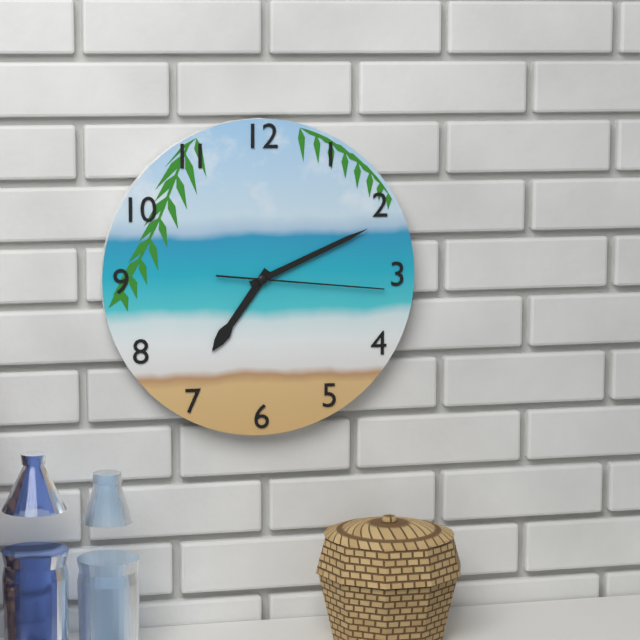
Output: 7h11m16s
